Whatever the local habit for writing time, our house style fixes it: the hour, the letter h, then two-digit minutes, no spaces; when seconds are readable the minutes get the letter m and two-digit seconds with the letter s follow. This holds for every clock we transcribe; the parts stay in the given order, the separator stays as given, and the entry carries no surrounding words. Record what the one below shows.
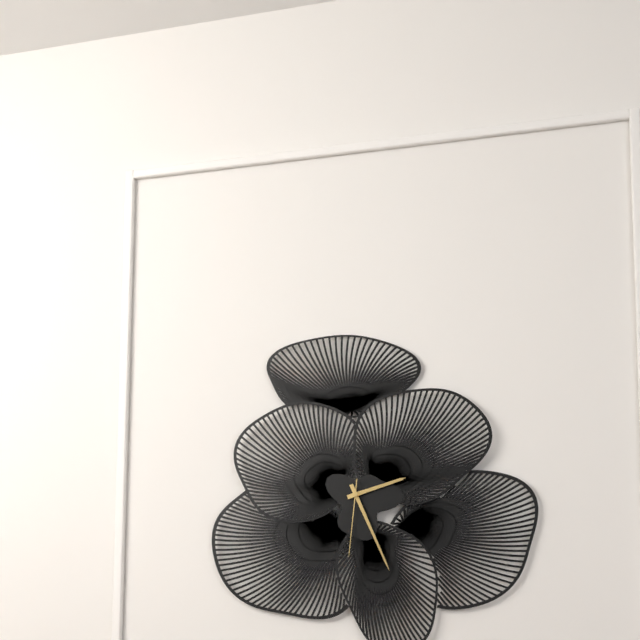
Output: 2h26m31s
